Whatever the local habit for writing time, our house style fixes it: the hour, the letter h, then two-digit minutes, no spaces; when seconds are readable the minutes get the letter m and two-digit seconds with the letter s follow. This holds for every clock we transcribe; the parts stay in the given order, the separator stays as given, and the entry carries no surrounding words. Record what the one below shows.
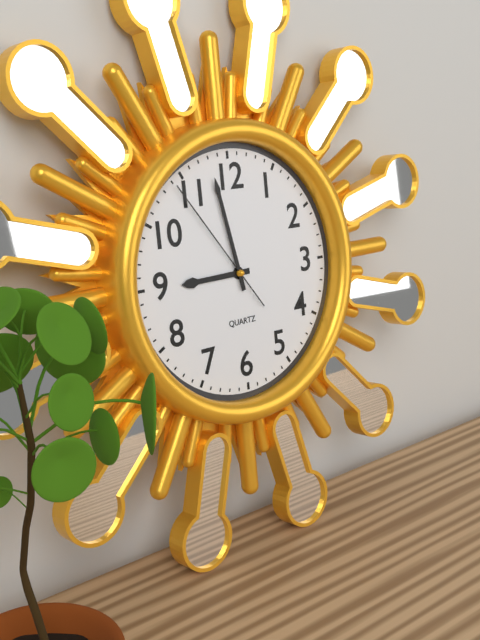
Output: 8h58m54s
